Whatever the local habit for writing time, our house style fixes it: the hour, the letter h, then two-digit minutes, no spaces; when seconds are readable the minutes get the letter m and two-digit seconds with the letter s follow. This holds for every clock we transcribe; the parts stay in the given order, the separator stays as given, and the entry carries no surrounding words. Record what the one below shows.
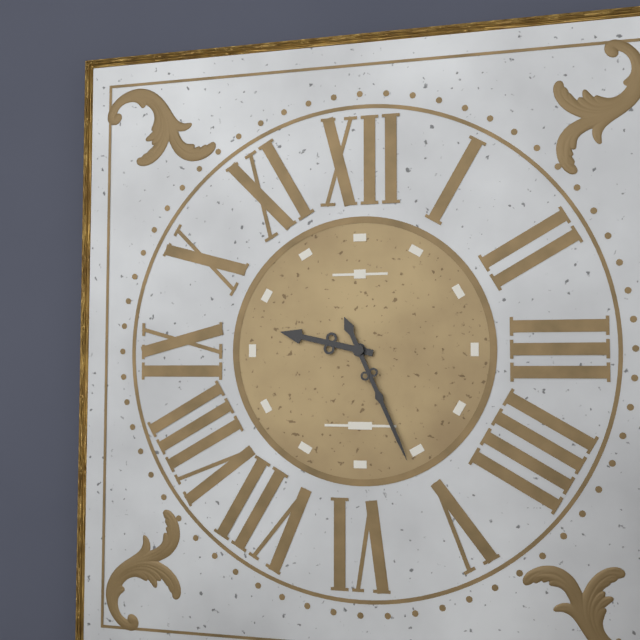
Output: 9h26
